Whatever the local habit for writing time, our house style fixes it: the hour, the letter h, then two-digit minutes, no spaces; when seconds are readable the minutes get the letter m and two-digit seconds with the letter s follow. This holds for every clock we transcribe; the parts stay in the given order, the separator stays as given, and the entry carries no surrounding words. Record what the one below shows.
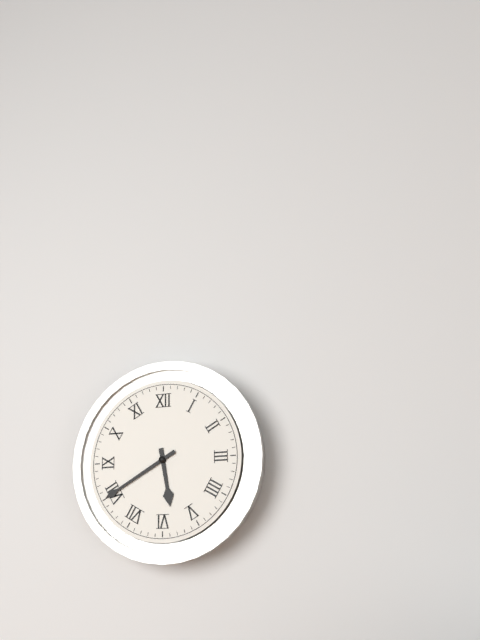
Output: 5h40
